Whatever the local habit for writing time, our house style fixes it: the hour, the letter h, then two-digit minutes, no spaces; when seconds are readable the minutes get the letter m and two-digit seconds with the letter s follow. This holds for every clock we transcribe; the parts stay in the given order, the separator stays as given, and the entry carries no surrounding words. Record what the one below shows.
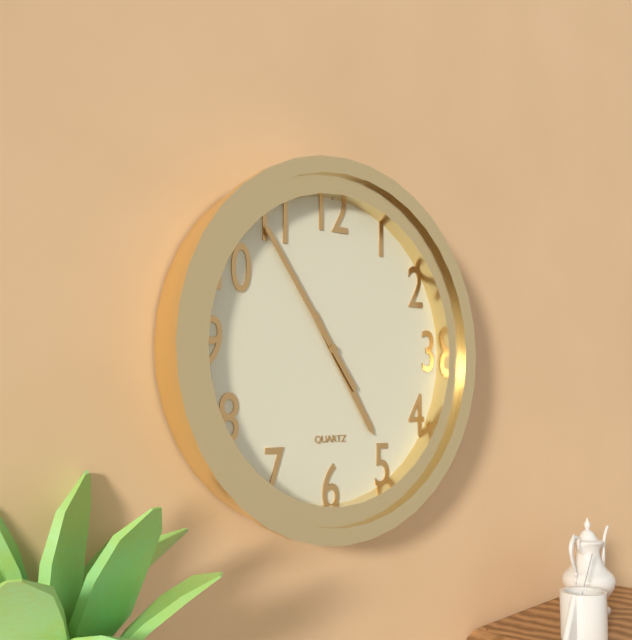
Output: 4h54
